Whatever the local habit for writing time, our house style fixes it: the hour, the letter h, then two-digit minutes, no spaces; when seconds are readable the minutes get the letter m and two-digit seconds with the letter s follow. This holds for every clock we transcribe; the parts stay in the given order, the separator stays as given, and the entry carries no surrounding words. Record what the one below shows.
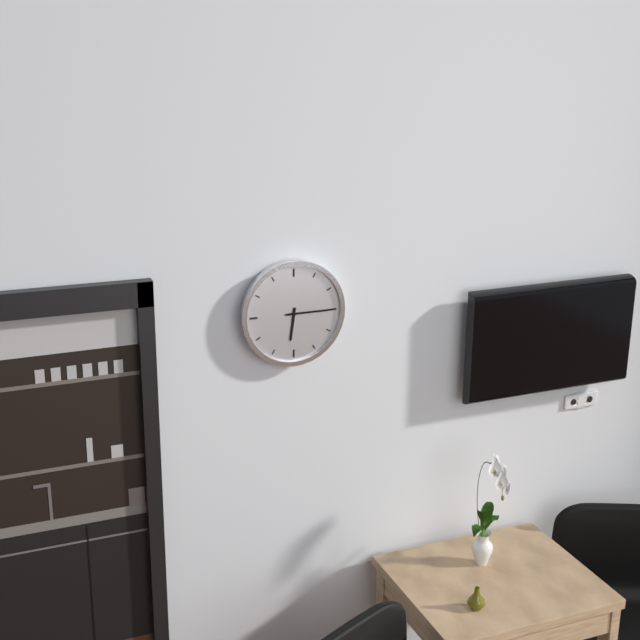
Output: 6h15
